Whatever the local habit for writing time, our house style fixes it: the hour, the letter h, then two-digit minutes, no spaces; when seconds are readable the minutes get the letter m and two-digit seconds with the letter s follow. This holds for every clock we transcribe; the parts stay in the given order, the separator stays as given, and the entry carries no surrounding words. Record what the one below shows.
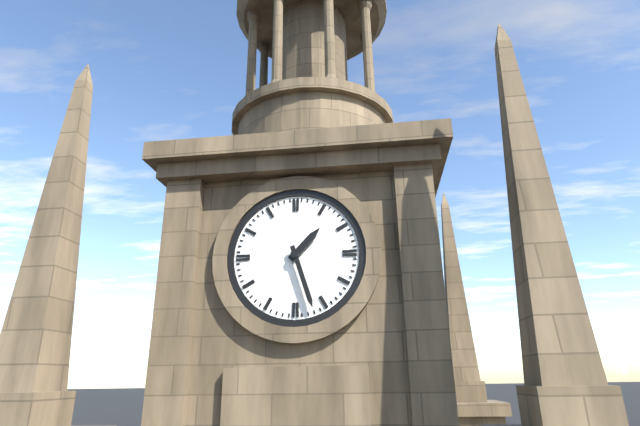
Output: 1h27
